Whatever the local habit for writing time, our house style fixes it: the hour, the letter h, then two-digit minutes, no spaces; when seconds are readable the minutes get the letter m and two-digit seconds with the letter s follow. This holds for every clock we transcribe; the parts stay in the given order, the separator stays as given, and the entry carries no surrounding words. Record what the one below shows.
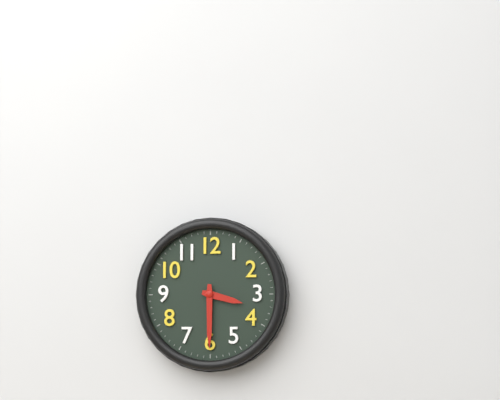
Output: 3h30
